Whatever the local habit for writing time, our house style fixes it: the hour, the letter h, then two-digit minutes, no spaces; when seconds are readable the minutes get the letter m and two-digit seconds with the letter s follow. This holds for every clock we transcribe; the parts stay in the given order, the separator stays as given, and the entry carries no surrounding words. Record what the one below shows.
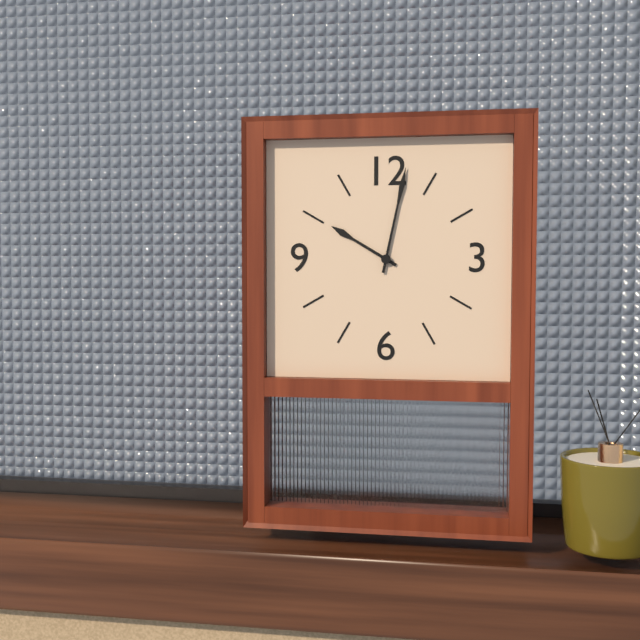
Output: 10h02
